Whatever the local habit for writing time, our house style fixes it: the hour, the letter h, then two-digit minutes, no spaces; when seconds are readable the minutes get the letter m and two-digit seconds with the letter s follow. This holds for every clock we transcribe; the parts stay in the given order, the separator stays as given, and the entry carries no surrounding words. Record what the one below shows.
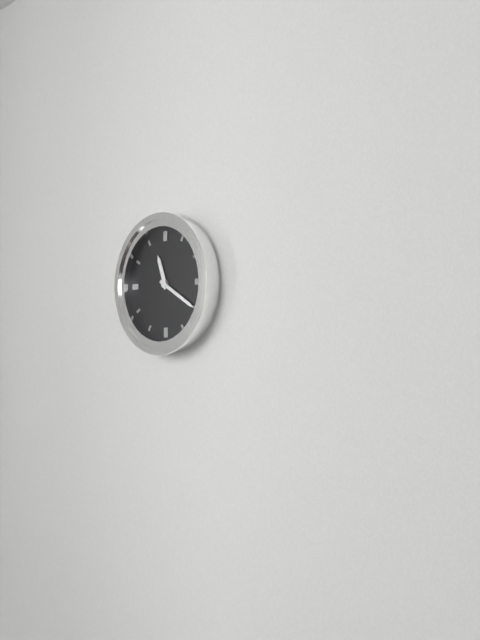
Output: 11h20
